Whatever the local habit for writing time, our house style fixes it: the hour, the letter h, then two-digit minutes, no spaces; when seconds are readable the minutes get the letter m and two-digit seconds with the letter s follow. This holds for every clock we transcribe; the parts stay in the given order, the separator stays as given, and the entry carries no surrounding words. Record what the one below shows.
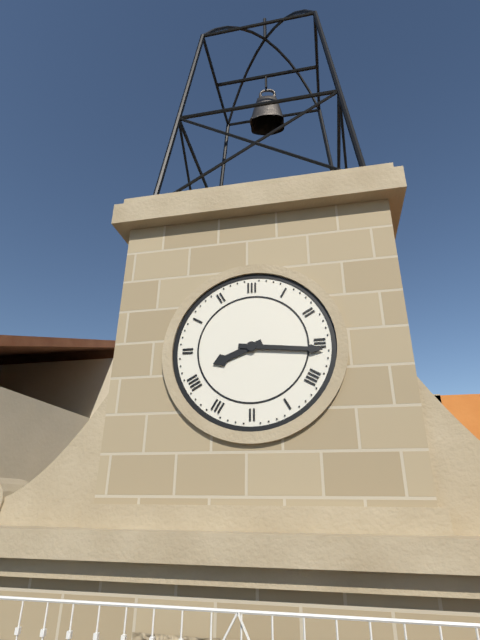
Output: 8h16
